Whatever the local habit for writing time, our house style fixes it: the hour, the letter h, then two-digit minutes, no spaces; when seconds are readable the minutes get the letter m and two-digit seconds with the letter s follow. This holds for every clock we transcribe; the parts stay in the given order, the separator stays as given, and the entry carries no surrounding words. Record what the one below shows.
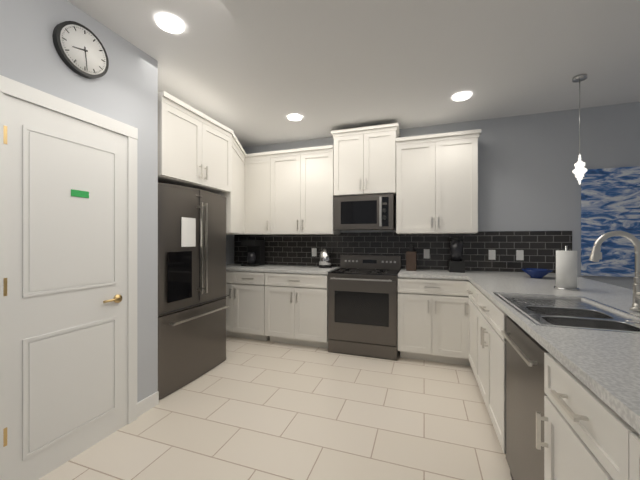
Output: 8h29
